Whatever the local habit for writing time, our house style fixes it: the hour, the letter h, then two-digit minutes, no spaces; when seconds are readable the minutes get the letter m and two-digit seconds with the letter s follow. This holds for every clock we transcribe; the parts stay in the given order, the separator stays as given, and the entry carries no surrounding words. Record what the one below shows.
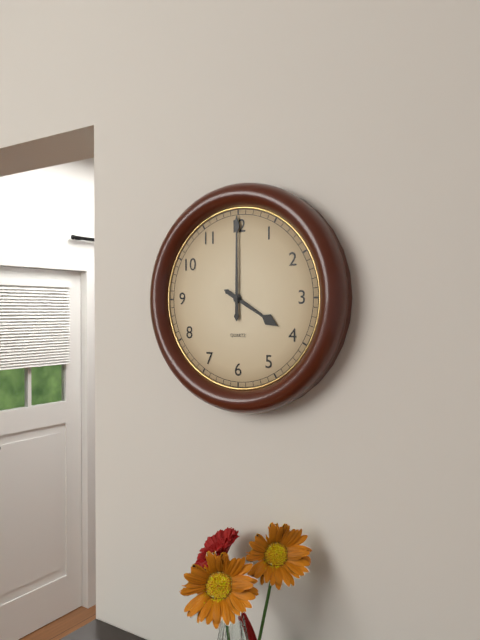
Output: 4h00
